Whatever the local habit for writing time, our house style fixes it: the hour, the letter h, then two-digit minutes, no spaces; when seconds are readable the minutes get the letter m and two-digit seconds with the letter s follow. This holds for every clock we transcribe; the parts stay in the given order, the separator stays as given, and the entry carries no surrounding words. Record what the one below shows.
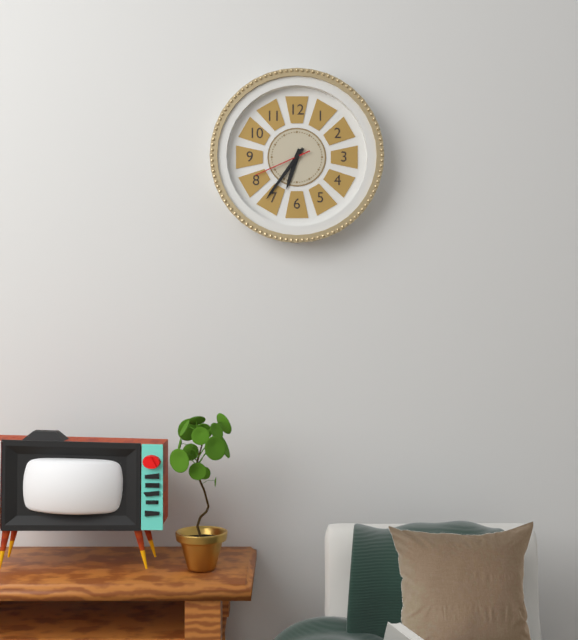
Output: 6h36m41s
